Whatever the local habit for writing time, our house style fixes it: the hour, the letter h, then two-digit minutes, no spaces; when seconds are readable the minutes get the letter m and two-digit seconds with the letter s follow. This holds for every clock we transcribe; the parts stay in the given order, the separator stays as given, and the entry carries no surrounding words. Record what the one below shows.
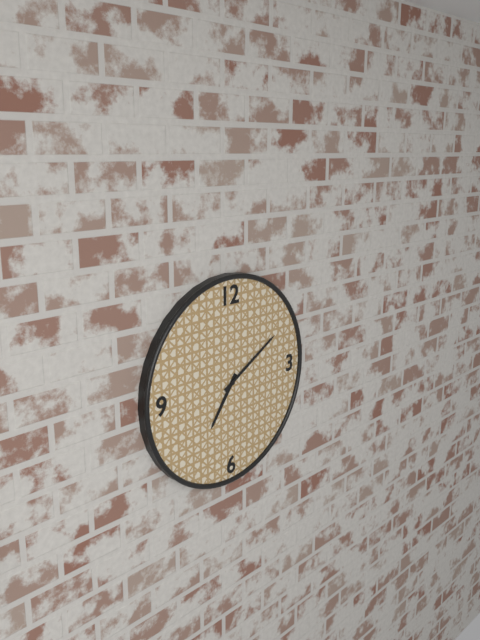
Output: 7h10
